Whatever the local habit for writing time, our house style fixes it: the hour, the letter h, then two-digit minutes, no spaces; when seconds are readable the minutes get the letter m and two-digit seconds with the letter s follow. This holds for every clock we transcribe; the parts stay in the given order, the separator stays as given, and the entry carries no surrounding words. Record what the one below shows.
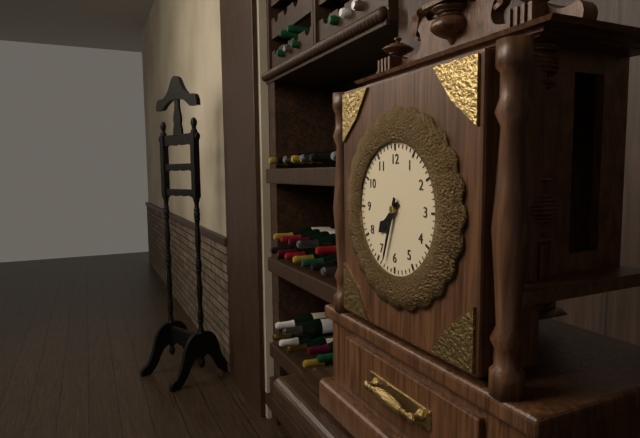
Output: 7h33
